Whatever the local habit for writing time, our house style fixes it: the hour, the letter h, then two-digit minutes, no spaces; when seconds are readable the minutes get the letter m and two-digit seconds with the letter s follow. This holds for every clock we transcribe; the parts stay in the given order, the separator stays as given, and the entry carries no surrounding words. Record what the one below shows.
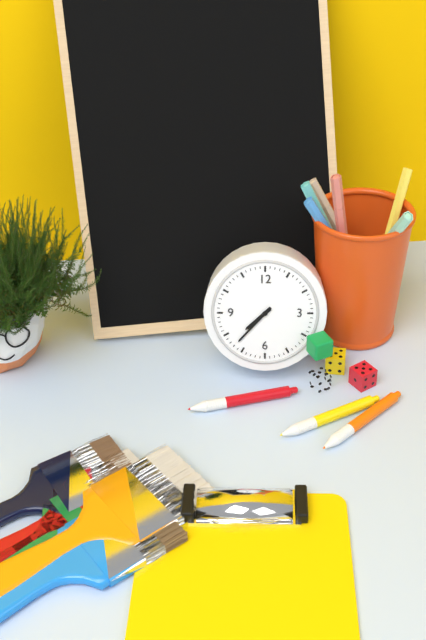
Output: 7h37
